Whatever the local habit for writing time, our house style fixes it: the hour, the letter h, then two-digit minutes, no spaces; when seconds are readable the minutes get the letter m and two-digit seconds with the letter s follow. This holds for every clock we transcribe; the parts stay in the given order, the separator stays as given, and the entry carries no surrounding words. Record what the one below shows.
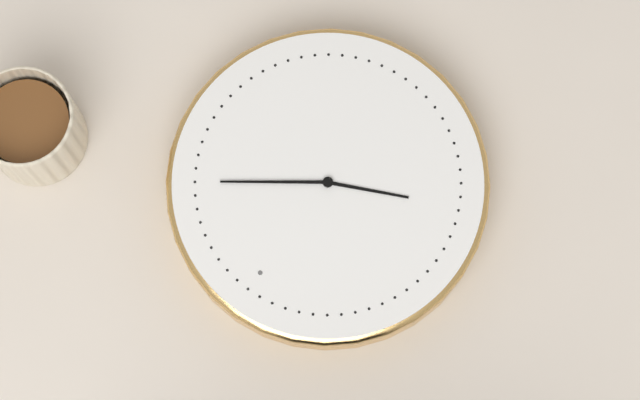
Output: 8h09
